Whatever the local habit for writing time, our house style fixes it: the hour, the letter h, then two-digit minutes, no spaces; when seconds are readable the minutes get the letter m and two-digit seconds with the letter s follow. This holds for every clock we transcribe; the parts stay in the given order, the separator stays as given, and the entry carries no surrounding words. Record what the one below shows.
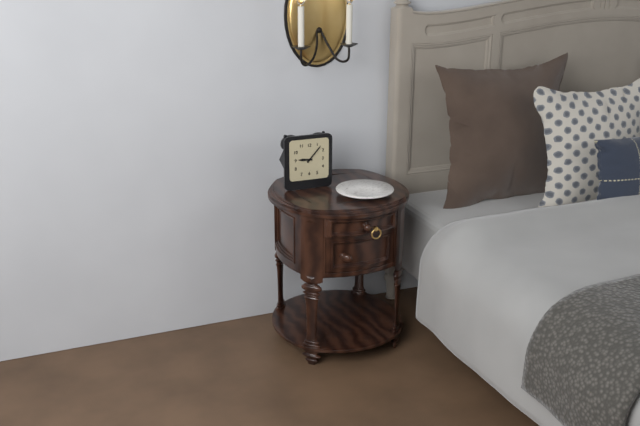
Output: 9h07
